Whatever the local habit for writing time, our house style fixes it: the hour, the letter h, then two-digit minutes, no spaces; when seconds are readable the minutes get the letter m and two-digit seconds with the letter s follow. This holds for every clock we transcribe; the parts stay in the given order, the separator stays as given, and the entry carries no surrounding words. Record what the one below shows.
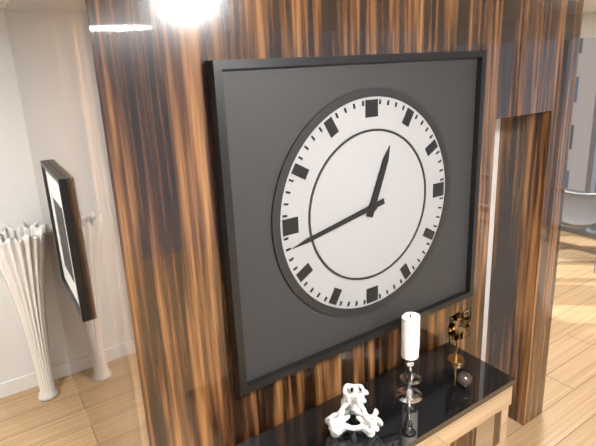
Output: 12h43
